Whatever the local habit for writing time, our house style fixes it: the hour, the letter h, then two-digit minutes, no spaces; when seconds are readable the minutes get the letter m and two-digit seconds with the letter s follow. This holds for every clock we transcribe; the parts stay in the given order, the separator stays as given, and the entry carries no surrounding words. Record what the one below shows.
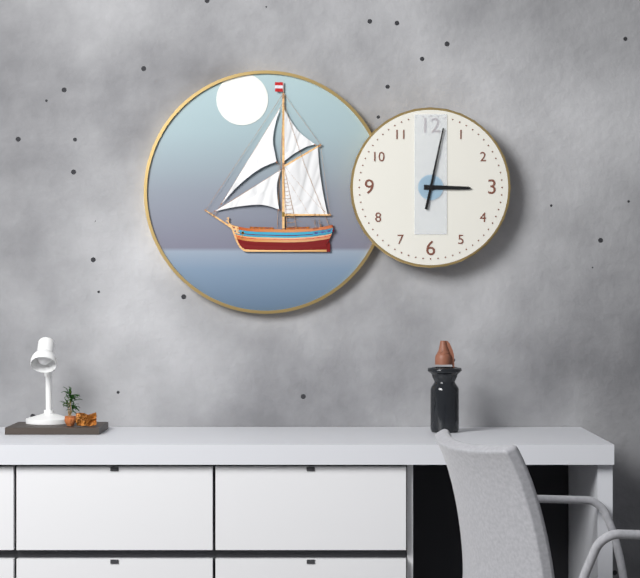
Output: 3h02
